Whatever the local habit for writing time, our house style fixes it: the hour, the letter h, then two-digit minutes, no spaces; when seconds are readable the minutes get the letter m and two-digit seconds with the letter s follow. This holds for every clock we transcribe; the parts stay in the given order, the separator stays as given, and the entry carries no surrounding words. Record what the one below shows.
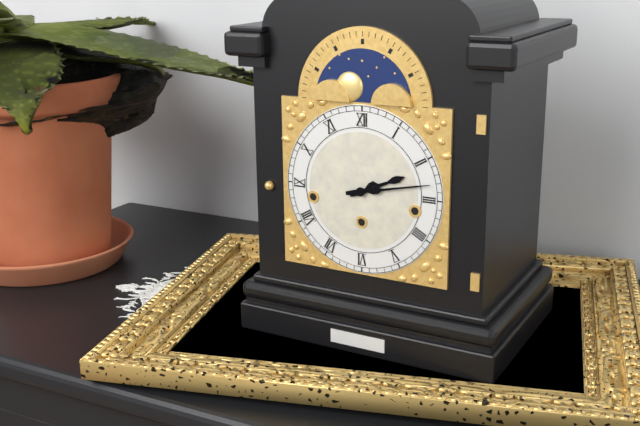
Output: 2h13
